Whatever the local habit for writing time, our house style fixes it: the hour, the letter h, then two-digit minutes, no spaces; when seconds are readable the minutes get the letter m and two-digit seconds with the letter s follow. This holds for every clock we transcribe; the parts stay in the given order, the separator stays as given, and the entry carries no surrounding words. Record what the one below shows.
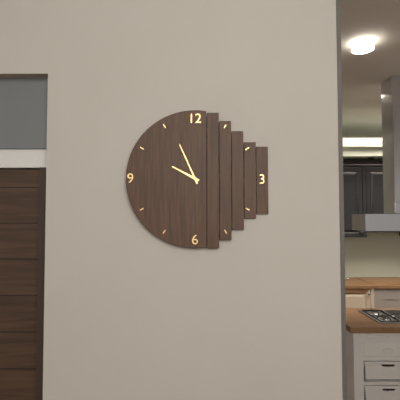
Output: 9h56
